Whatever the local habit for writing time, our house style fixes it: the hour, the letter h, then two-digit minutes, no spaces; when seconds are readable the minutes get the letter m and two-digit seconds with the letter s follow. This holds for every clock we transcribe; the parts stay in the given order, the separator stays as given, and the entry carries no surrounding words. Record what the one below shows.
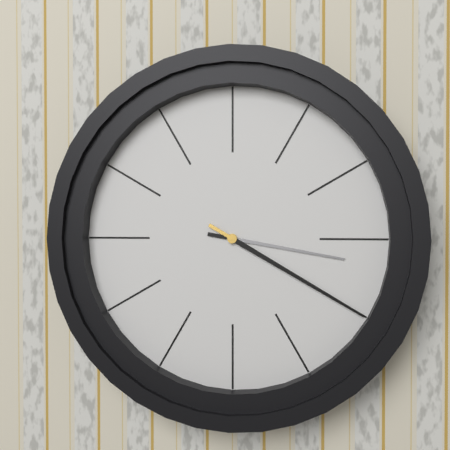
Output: 3h20
